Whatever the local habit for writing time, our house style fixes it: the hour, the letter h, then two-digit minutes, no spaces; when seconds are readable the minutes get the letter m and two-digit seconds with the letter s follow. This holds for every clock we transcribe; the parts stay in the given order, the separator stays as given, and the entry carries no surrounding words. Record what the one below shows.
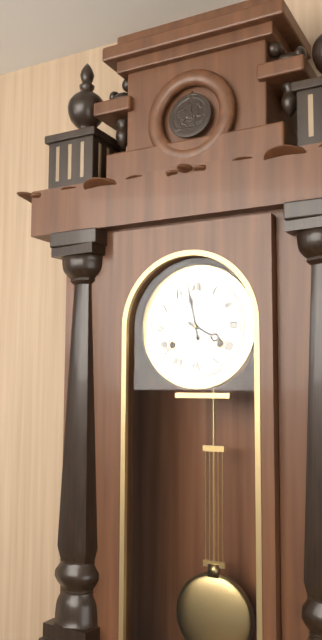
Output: 3h58
